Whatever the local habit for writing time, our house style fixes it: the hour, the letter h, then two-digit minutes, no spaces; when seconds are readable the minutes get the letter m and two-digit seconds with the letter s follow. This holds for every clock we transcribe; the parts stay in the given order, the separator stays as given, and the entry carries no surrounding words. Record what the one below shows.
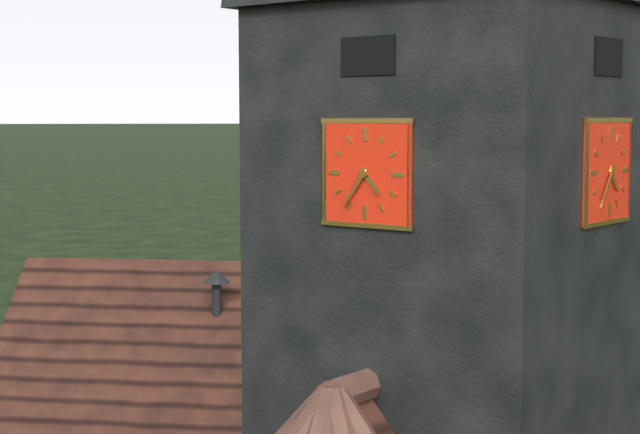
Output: 4h36
